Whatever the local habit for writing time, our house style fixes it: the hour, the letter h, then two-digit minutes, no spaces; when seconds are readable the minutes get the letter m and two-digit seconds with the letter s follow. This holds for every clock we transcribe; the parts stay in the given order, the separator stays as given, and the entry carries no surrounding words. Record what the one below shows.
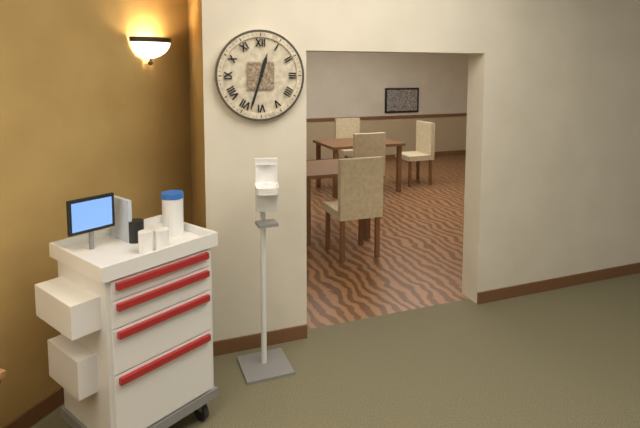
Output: 12h33
